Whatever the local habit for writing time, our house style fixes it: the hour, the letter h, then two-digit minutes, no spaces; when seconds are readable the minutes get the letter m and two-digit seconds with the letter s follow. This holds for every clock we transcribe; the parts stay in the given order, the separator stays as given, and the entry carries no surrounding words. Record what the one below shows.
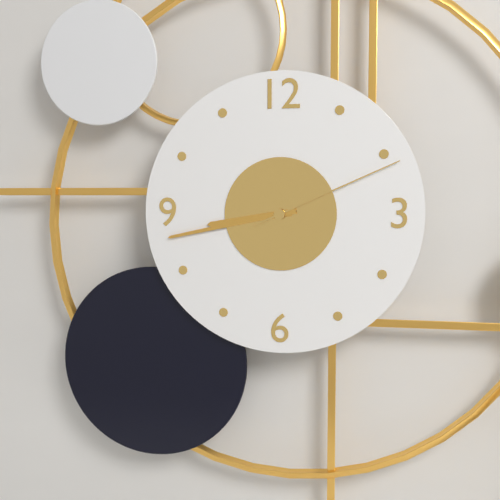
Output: 8h43m11s
